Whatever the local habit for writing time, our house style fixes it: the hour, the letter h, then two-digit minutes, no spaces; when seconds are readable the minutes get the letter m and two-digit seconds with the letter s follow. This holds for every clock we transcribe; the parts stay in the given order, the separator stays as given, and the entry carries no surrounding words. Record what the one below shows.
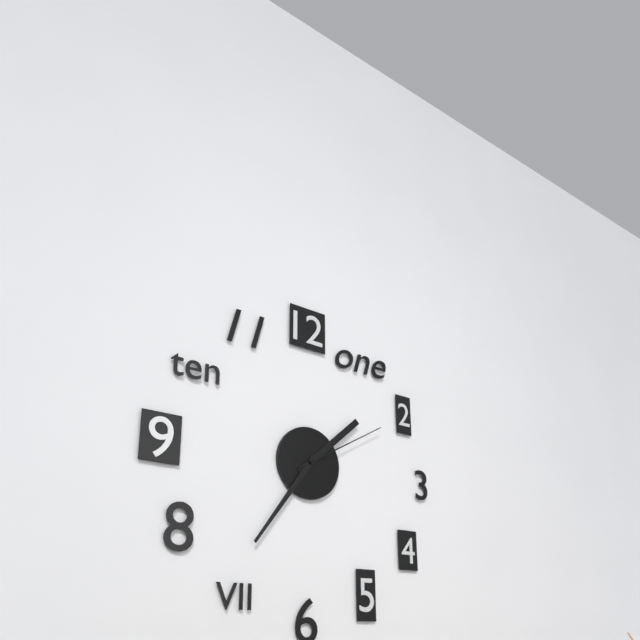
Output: 1h36m10s
